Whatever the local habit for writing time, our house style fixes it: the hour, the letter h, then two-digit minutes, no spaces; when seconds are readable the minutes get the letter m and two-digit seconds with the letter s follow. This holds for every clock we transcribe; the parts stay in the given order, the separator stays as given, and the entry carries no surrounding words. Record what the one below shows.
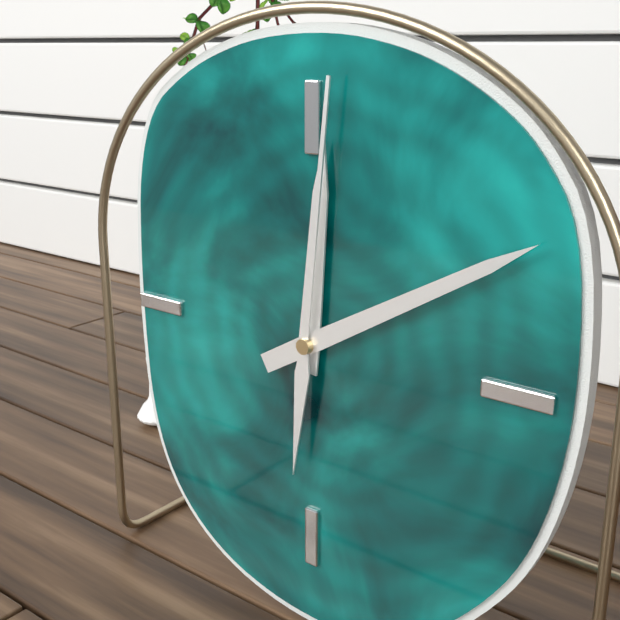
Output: 12h10m01s
